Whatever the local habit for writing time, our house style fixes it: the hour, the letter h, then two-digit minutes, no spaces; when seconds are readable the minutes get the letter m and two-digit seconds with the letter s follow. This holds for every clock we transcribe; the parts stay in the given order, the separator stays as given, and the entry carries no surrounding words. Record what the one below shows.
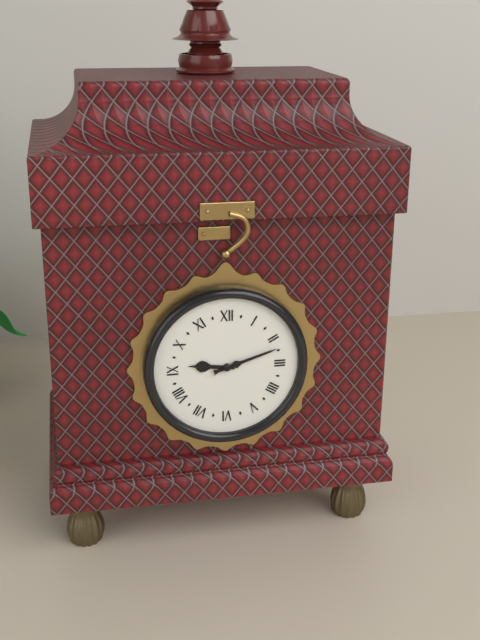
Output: 9h12
